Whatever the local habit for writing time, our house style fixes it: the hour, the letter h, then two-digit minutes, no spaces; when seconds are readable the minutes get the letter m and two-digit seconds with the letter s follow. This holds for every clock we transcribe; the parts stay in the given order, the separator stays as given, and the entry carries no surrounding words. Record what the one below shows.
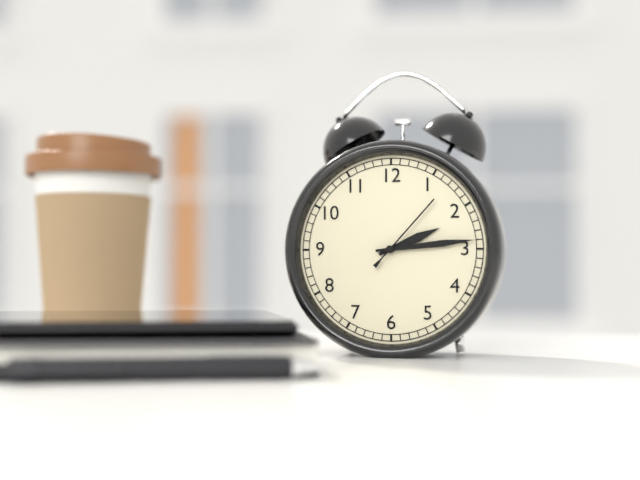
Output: 2h14m07s
